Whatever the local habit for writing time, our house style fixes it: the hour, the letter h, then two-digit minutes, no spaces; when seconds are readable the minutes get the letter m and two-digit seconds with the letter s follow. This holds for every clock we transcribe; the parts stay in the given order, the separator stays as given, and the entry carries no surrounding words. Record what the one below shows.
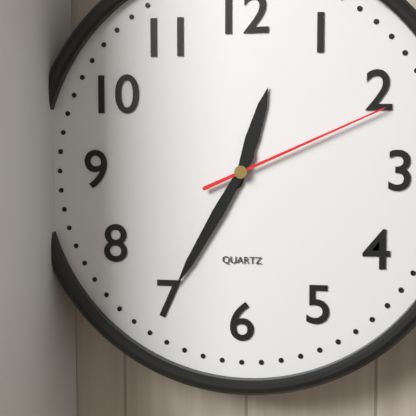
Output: 12h35m11s
